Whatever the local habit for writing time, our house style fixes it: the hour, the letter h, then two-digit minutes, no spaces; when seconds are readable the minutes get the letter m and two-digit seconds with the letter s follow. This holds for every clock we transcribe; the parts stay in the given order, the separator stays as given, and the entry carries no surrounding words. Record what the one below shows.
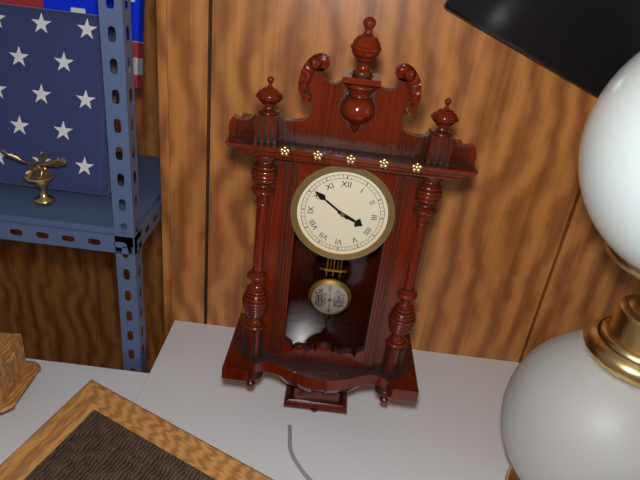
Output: 3h51
